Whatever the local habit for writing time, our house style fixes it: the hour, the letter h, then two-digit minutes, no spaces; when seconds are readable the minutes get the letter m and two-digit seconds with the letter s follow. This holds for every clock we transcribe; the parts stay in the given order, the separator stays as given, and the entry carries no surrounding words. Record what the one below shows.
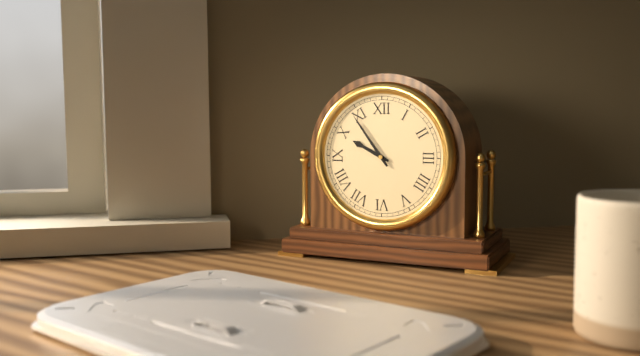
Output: 9h54
